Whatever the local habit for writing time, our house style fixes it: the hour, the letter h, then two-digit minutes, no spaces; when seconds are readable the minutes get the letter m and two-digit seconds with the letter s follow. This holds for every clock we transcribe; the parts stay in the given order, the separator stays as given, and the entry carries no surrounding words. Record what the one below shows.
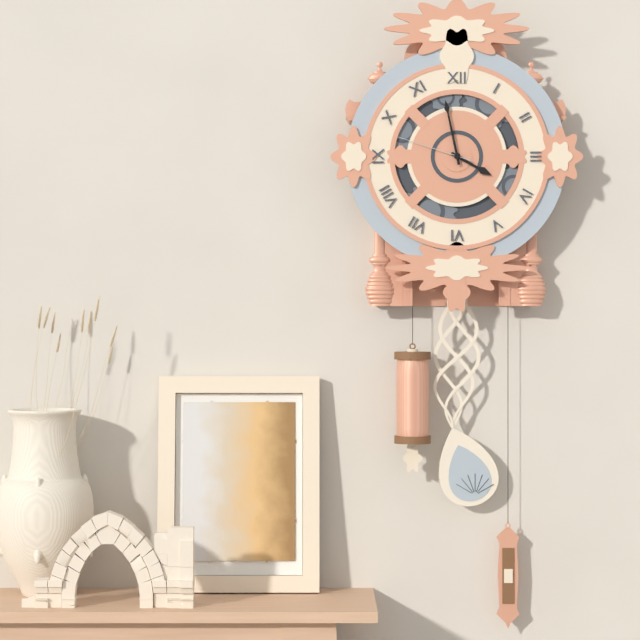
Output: 3h58m48s
